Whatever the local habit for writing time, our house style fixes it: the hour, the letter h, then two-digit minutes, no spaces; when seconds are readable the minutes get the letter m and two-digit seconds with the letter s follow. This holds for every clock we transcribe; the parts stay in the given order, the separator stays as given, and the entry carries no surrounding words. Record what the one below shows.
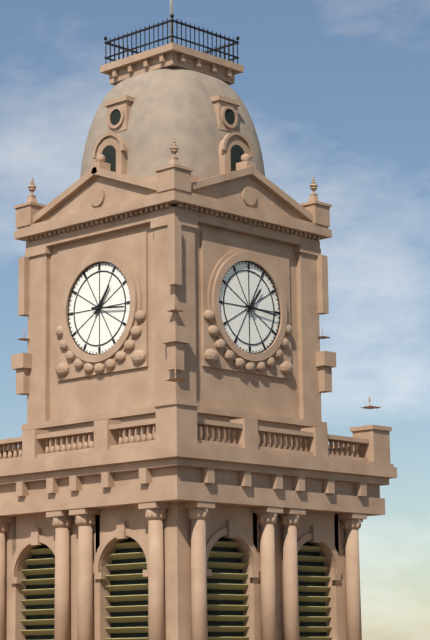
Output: 1h16
